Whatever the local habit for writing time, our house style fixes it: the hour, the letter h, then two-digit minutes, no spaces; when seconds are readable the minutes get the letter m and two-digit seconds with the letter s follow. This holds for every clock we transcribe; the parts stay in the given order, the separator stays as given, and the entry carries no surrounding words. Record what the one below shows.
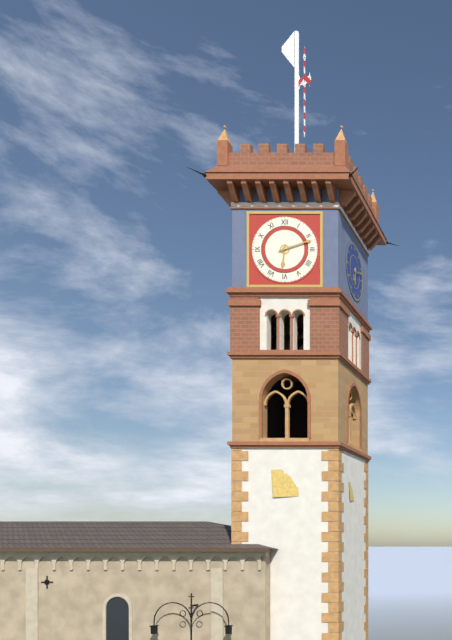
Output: 6h12
